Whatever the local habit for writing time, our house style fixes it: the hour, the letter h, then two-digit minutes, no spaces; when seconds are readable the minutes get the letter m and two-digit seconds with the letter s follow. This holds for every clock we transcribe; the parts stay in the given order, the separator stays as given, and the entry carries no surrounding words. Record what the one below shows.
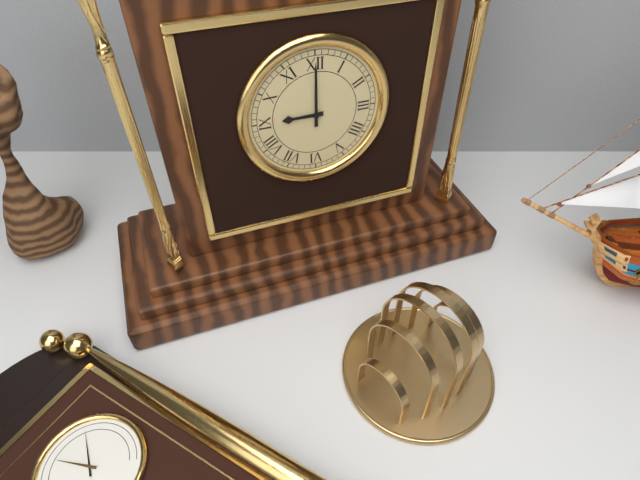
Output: 9h00
